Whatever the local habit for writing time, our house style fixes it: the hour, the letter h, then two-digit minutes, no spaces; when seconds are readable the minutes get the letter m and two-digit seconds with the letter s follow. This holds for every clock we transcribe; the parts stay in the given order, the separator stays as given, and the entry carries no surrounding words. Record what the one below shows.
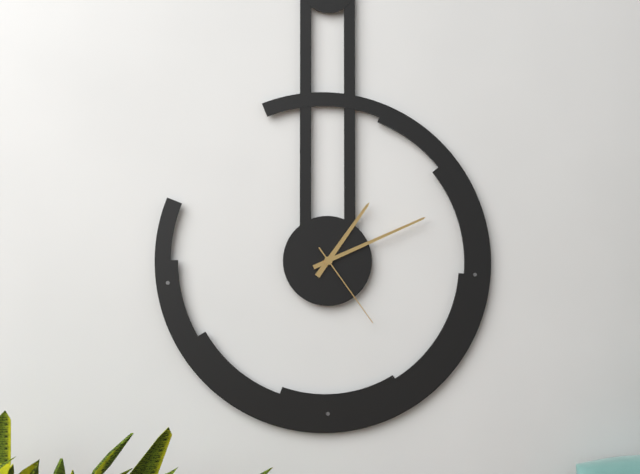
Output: 1h11m24s
